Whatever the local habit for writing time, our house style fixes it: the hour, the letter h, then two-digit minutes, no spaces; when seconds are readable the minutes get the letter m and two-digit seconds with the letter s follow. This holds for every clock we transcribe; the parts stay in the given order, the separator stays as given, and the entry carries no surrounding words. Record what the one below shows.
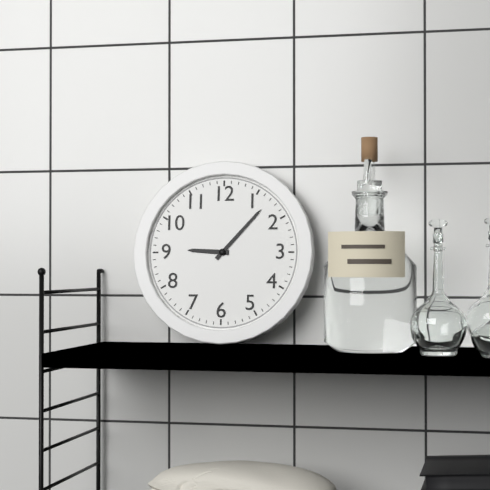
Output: 9h07
